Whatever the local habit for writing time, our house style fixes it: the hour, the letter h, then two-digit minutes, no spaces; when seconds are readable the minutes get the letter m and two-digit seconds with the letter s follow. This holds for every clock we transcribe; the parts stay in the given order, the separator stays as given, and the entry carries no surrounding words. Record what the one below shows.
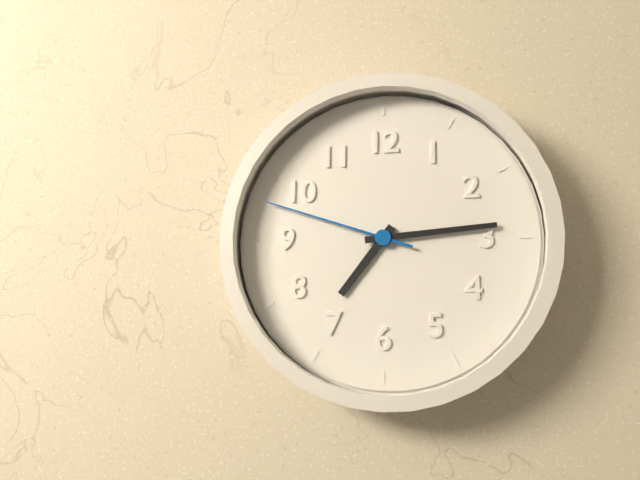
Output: 7h14m48s
